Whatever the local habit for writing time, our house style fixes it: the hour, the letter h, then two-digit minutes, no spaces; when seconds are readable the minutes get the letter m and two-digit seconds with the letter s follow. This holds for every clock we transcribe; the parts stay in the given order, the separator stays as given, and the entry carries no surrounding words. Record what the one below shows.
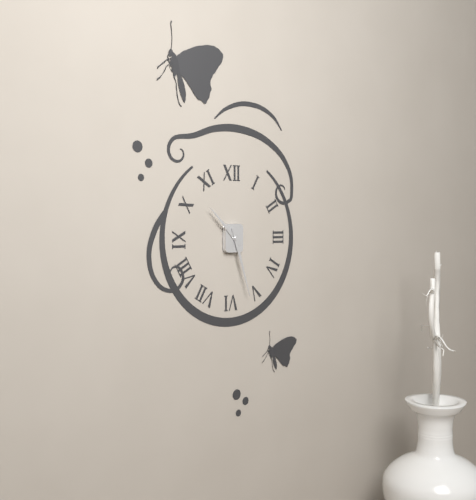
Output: 10h27
